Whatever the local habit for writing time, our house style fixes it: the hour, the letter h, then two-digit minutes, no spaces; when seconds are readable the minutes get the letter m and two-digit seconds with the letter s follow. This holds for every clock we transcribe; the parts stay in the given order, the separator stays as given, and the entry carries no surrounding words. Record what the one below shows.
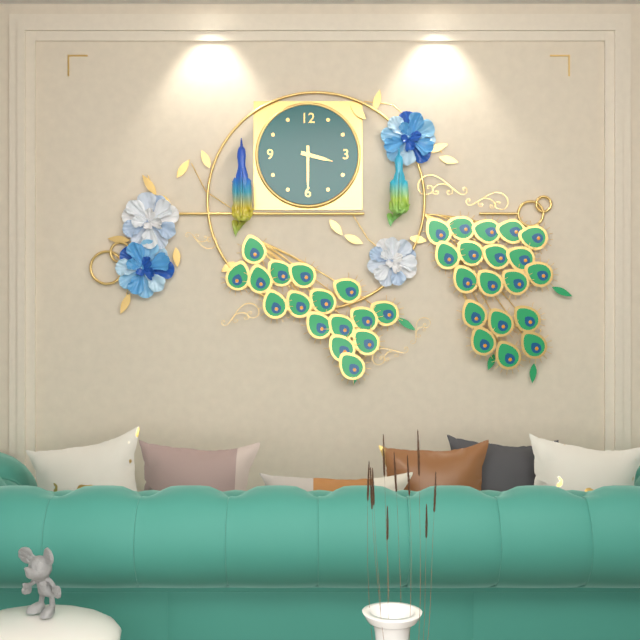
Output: 3h30
